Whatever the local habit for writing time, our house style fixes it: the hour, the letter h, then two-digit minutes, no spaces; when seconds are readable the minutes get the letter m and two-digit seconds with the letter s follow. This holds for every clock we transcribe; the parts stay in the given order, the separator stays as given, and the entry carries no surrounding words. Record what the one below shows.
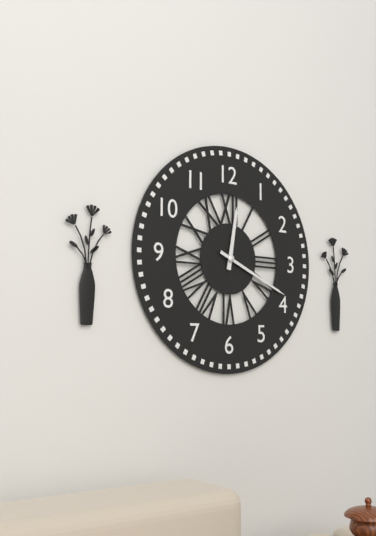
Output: 12h19
